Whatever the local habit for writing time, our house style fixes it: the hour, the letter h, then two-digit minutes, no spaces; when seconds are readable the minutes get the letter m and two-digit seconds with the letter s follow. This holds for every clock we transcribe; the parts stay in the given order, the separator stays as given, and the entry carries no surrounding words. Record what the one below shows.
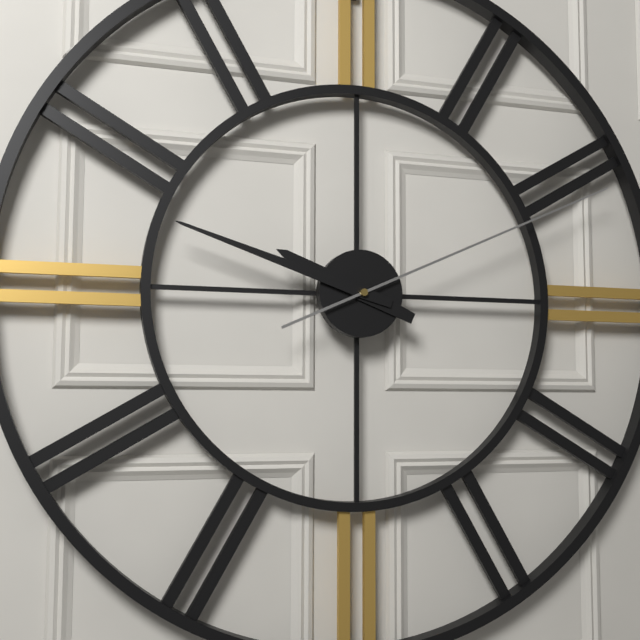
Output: 9h48m11s
